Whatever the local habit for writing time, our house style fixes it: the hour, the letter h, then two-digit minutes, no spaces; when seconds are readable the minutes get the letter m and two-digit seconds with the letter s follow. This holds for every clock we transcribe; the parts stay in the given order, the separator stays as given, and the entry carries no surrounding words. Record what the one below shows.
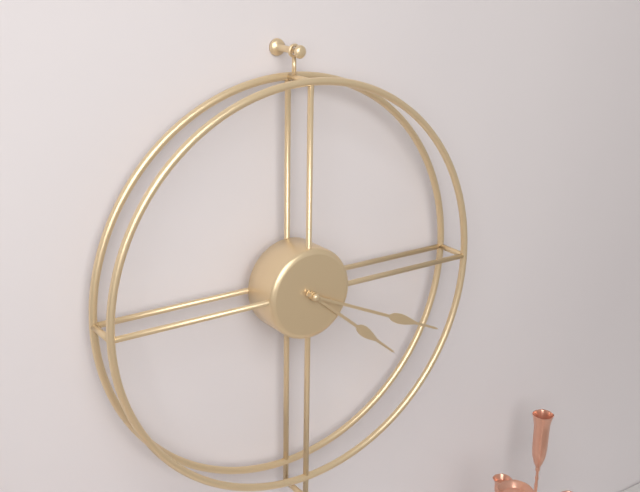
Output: 4h19
